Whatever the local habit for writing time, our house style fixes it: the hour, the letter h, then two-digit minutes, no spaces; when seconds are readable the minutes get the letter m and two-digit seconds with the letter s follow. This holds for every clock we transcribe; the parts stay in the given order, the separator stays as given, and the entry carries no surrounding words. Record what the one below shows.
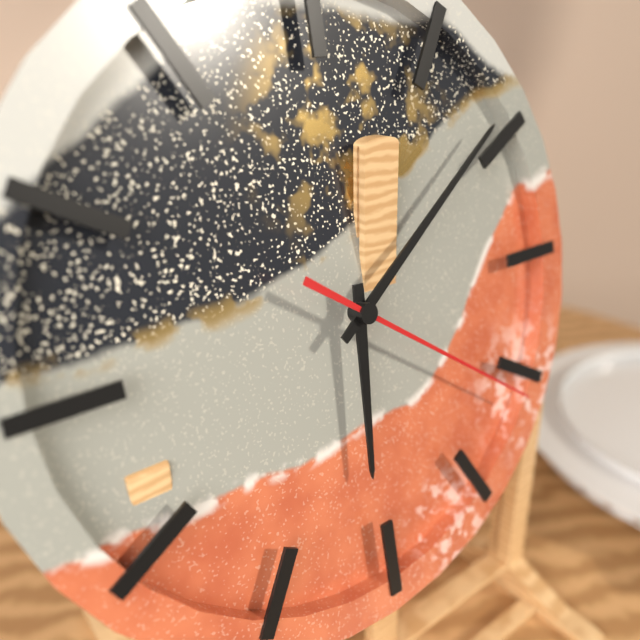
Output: 6h09m21s
